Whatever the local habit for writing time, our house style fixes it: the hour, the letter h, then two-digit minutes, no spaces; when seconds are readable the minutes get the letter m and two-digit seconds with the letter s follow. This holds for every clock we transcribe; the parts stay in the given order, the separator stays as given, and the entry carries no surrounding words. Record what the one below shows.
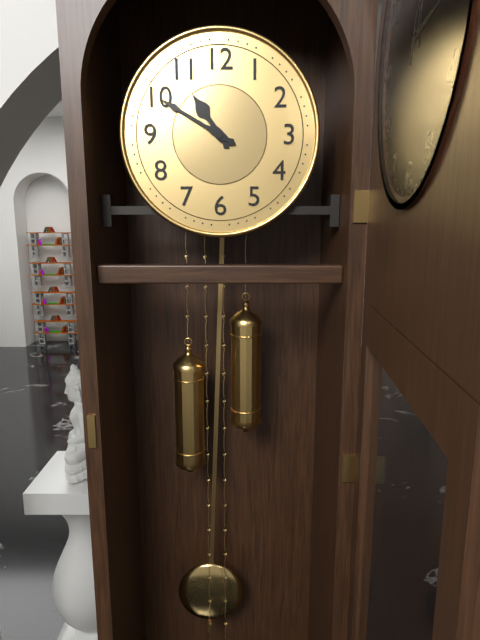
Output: 10h50
